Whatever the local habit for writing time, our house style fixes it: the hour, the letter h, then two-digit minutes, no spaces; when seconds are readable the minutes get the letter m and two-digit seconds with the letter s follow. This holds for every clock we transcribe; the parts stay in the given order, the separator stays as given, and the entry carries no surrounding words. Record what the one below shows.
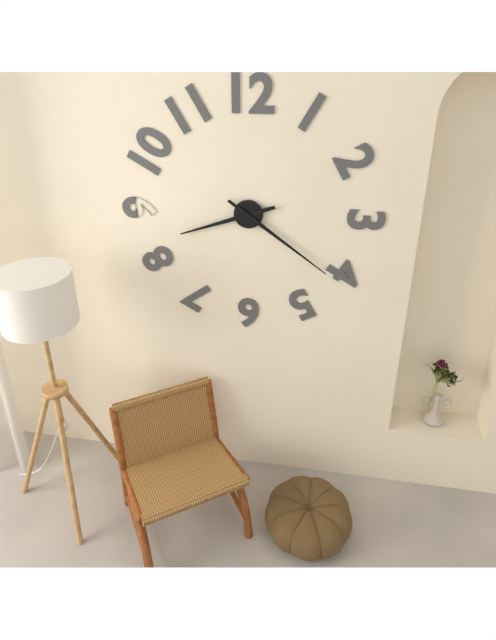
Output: 8h21
